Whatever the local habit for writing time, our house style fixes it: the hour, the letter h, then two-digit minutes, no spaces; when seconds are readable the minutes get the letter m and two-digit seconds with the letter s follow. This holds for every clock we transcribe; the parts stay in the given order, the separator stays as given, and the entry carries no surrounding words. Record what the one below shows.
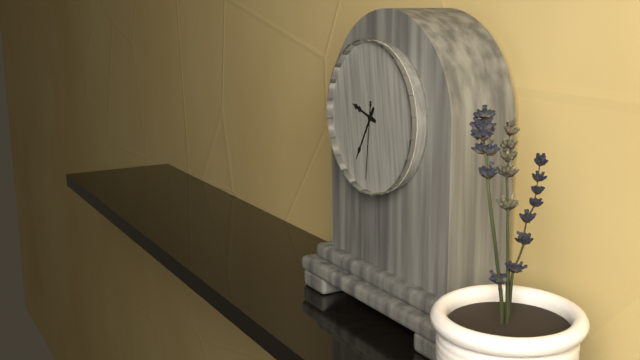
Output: 9h35m31s
